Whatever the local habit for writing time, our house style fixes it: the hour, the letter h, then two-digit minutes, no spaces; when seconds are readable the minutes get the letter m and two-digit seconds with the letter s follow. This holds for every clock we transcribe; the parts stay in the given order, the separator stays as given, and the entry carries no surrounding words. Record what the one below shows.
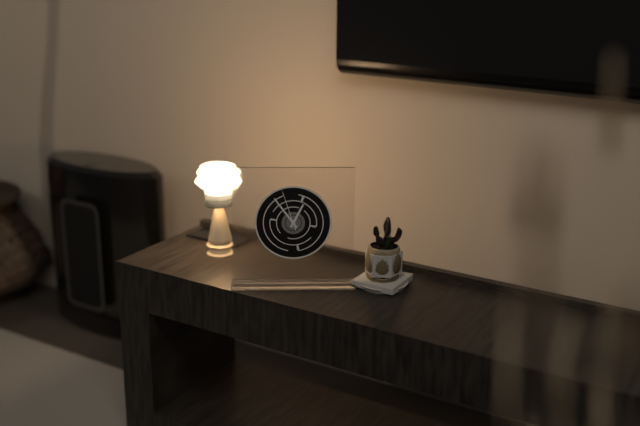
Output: 12h54
